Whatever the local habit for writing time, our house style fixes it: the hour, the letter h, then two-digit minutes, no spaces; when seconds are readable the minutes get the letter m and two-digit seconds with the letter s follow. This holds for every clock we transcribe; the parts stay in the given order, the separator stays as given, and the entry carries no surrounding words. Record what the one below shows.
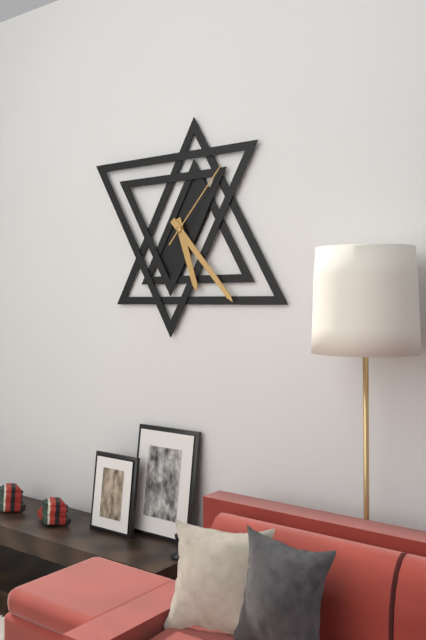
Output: 5h23m07s
